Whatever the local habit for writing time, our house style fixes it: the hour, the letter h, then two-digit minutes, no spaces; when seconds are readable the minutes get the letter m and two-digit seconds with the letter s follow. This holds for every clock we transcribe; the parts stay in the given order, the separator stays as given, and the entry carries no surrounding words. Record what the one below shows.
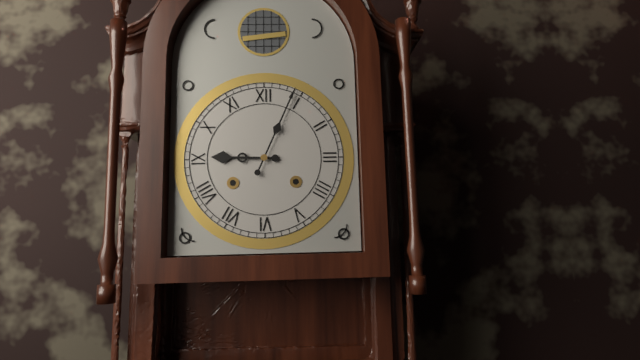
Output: 9h04
